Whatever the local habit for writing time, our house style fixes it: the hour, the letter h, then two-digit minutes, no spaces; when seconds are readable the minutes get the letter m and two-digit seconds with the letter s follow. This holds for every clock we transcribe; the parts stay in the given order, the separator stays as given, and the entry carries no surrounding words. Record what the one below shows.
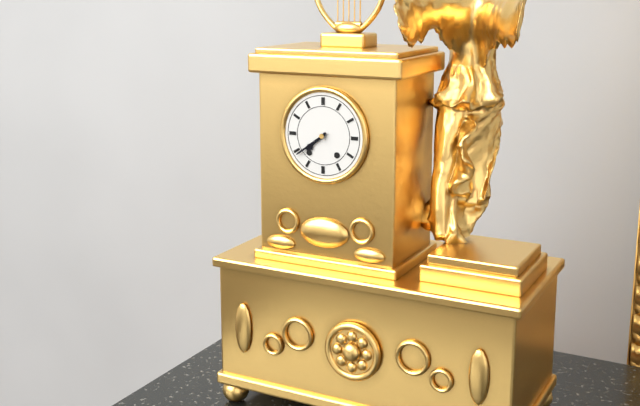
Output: 7h39
